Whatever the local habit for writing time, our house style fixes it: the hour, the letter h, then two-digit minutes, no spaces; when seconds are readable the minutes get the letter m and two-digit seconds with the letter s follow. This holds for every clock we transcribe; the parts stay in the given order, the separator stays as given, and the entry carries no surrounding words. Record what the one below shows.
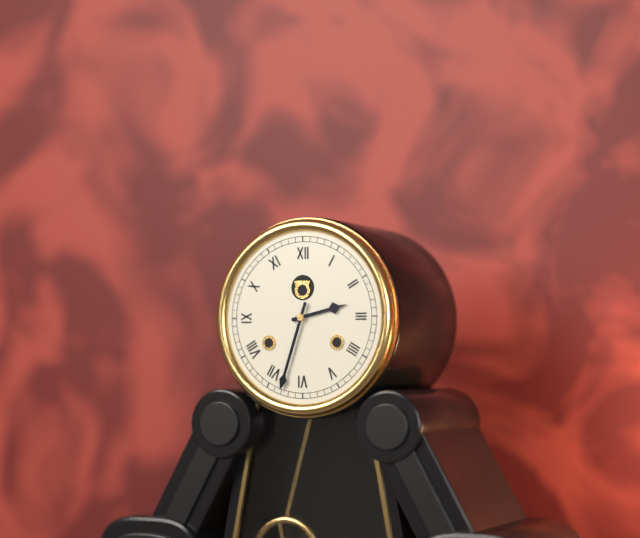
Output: 2h33
